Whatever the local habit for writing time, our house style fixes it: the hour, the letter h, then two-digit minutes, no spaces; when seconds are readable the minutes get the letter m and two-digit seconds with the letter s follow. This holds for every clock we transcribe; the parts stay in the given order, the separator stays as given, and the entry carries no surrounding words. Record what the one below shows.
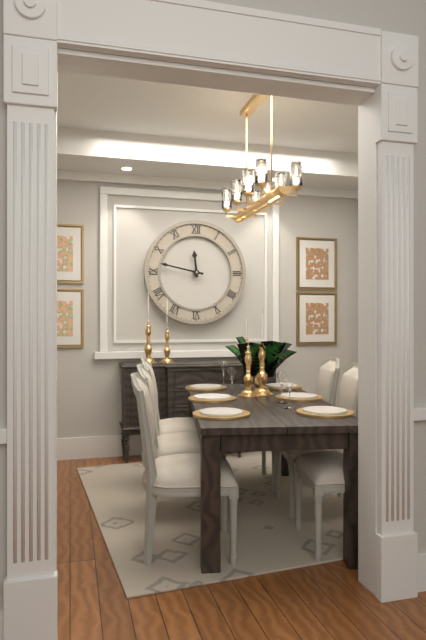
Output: 11h47
